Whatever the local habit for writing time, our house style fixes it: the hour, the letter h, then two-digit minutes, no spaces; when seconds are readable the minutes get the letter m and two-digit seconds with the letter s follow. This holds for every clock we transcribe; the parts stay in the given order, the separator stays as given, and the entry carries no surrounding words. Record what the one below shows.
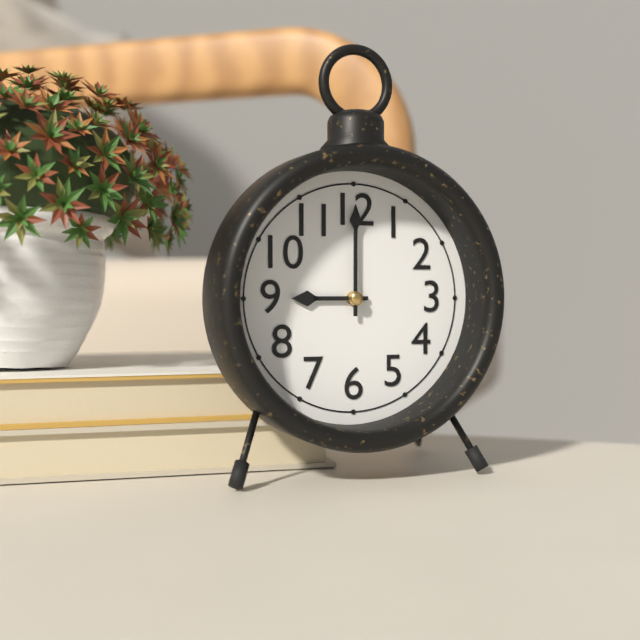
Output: 9h00
